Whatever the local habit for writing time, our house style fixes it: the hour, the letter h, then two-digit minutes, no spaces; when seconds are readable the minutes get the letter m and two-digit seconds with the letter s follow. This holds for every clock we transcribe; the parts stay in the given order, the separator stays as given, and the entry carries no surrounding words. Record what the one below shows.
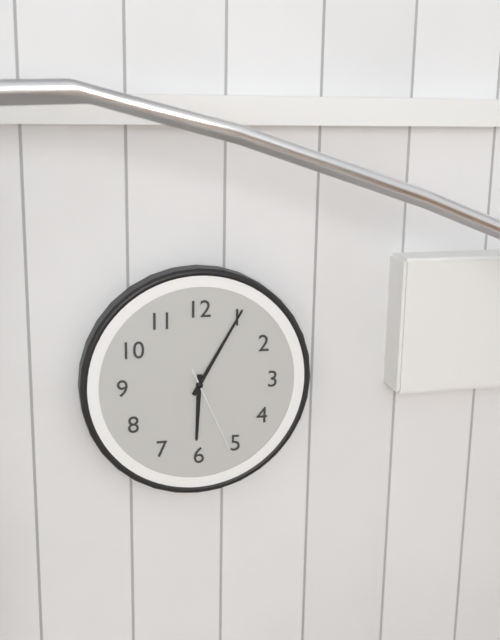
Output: 6h05m26s
